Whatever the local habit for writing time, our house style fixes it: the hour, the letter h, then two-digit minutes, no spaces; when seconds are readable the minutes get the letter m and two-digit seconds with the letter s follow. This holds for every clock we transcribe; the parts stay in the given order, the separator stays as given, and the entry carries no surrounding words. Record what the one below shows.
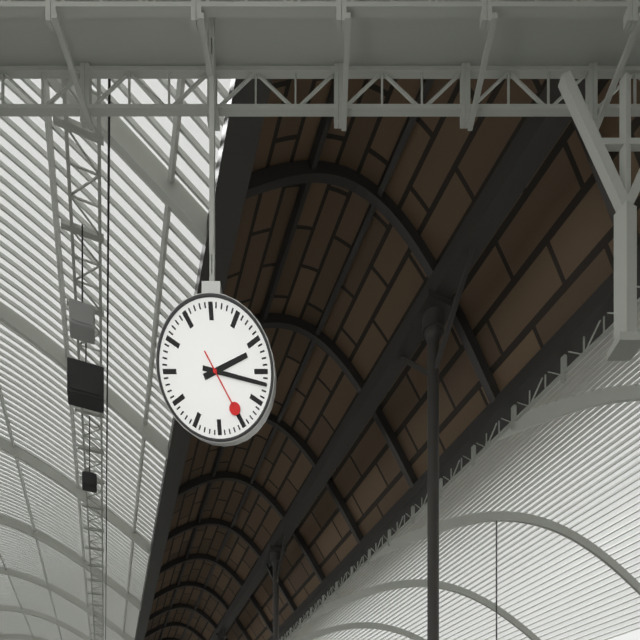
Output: 2h17m25s
